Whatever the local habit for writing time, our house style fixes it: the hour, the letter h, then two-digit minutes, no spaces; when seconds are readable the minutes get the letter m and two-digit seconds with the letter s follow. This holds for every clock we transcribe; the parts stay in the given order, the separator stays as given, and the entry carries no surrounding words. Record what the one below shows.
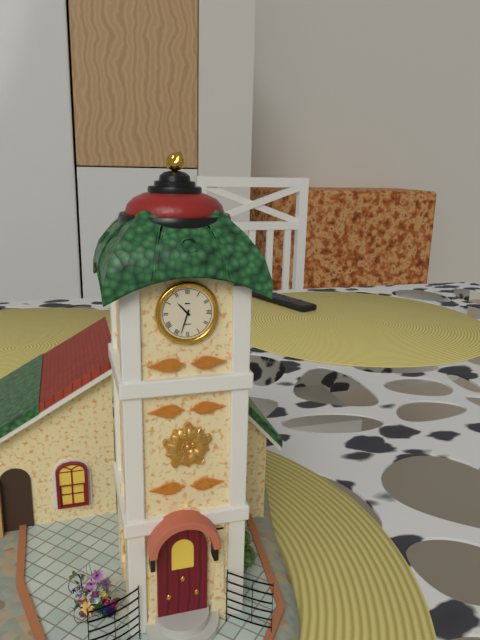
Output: 10h33
